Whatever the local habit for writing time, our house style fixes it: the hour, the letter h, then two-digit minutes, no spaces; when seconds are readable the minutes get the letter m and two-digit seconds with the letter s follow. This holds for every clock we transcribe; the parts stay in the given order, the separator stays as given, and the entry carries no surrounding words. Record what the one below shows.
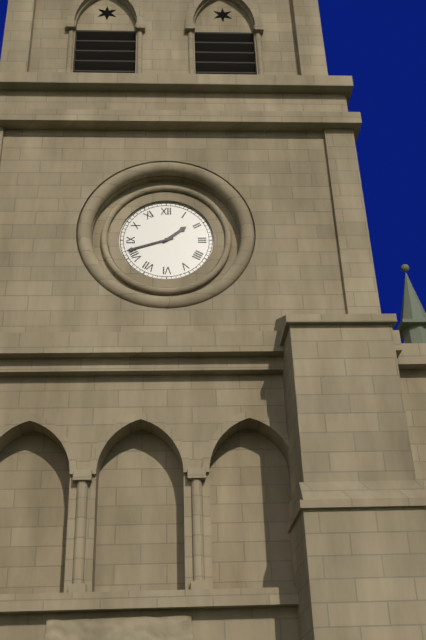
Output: 1h42
